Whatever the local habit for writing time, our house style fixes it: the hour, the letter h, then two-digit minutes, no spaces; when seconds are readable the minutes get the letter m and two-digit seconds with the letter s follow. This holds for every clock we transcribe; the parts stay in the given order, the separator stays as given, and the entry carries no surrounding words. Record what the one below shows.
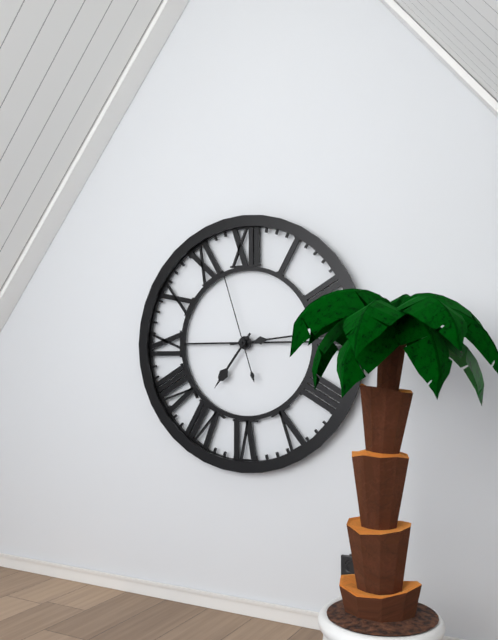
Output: 7h14m57s
